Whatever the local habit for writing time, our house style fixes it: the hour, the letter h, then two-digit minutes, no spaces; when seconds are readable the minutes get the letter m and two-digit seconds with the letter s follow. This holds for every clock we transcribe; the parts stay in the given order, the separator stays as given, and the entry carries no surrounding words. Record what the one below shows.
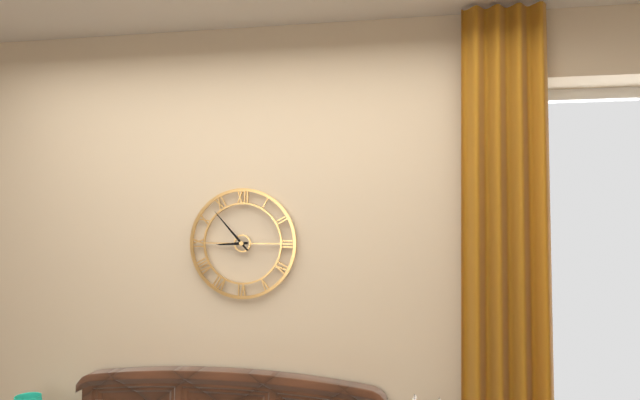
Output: 8h53
